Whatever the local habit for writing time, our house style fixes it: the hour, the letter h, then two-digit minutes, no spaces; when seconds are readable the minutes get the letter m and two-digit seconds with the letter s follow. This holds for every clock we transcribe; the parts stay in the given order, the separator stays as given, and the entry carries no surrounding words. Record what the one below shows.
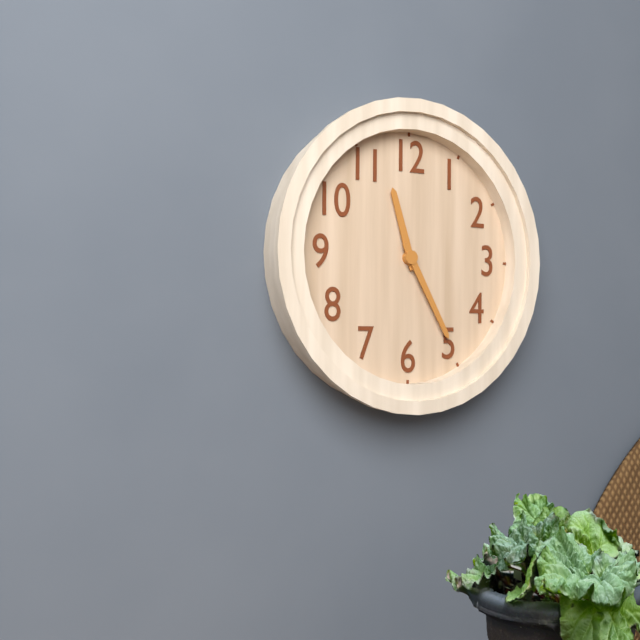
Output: 11h25
